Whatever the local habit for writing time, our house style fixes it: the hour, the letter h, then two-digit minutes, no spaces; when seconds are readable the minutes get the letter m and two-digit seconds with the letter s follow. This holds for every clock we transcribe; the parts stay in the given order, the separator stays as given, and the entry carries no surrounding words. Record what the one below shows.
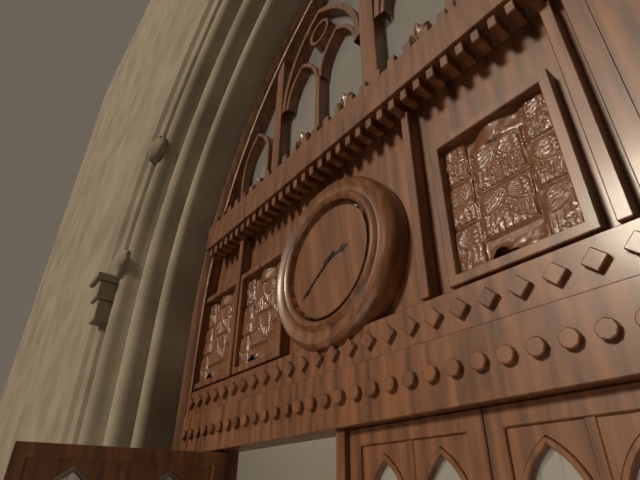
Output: 2h39
